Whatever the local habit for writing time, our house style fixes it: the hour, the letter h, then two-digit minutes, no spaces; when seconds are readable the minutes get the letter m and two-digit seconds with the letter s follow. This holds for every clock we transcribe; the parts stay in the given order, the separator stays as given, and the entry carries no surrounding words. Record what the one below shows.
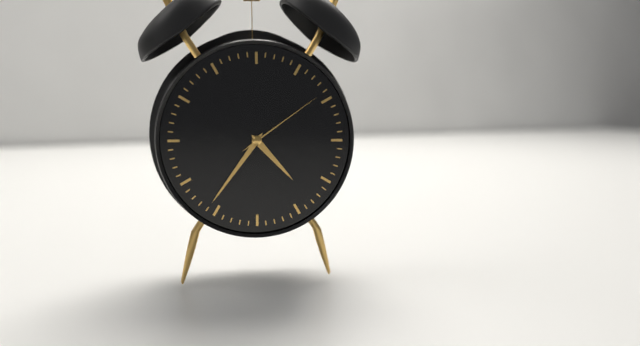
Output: 4h36m09s
